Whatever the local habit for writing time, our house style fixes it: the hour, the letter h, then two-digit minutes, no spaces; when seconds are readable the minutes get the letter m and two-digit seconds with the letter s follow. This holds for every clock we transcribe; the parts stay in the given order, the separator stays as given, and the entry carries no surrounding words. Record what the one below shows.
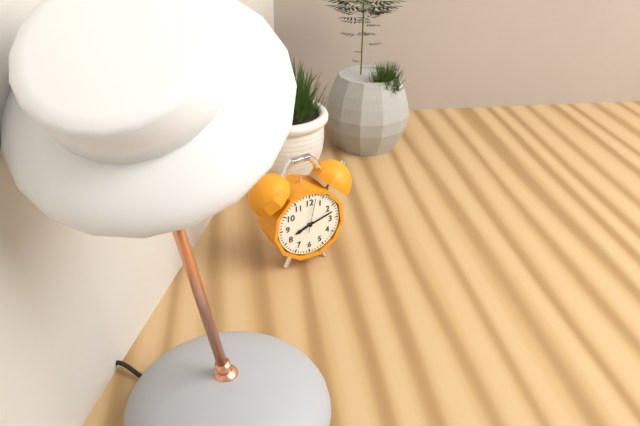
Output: 8h12
